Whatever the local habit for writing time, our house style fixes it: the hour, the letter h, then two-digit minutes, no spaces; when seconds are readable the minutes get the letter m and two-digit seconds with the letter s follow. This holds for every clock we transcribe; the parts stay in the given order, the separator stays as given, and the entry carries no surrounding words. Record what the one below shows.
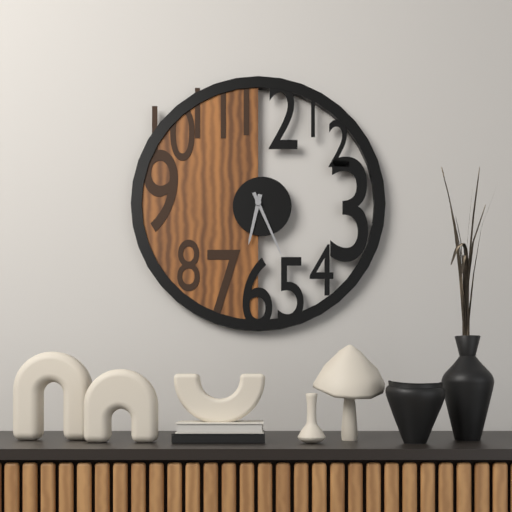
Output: 6h26
